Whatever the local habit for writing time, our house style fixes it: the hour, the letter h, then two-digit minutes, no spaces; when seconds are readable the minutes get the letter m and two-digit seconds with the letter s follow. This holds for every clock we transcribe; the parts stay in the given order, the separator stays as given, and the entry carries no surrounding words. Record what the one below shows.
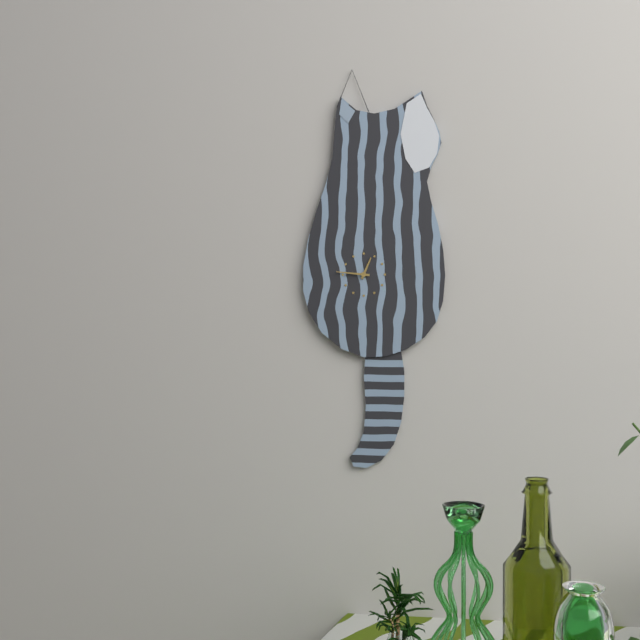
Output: 12h46
